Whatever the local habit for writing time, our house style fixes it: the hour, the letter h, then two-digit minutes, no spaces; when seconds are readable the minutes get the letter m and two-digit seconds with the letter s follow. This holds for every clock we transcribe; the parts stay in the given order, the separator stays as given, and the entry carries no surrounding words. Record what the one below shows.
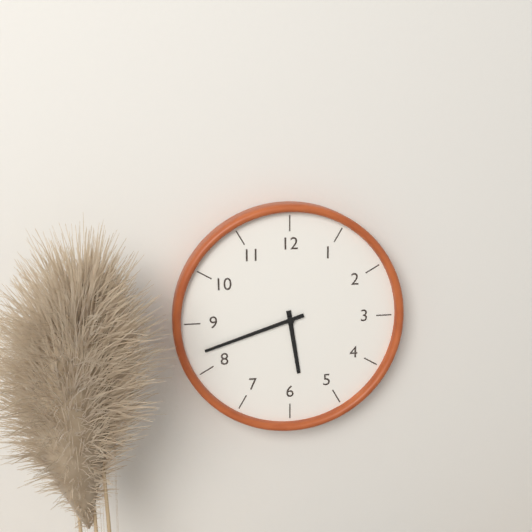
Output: 5h42
